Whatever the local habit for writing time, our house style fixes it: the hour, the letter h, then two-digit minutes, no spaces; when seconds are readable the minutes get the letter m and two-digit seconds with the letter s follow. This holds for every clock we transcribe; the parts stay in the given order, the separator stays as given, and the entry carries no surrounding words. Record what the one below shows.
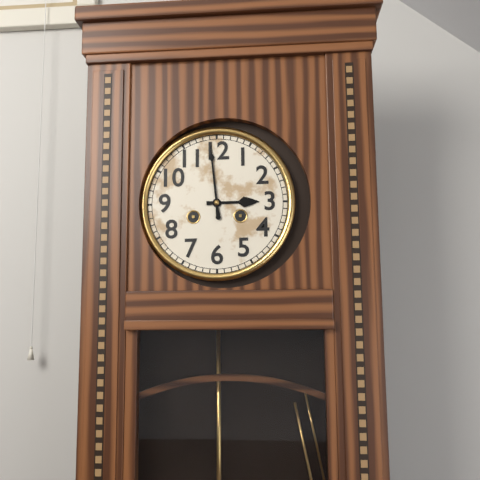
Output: 2h59
